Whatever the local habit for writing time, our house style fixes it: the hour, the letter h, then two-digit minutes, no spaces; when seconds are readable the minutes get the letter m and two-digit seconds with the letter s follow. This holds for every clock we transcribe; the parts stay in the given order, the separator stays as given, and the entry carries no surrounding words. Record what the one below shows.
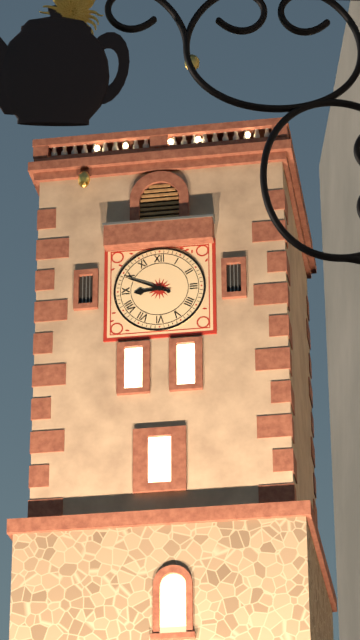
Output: 8h49
